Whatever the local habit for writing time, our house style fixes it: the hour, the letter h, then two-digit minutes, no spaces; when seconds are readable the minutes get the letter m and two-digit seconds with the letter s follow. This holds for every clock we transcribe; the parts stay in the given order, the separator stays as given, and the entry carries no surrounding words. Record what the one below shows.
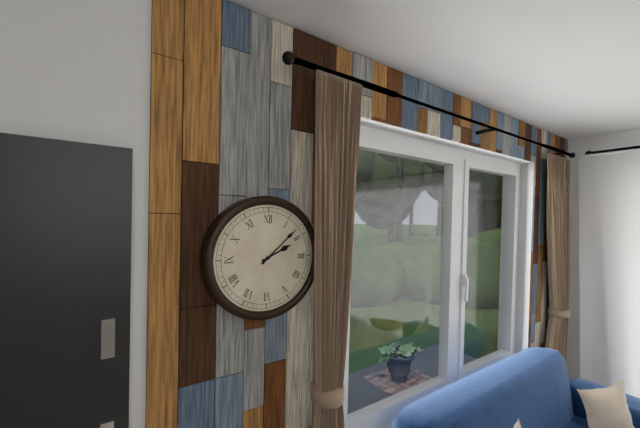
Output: 2h08
